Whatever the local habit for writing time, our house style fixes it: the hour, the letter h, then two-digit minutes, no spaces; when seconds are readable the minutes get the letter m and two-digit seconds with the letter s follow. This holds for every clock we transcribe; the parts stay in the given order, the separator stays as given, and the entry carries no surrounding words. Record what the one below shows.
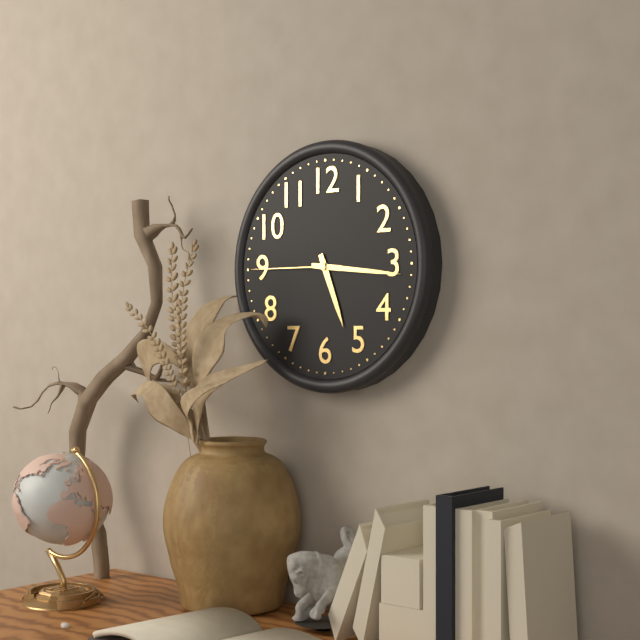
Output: 5h16m45s
